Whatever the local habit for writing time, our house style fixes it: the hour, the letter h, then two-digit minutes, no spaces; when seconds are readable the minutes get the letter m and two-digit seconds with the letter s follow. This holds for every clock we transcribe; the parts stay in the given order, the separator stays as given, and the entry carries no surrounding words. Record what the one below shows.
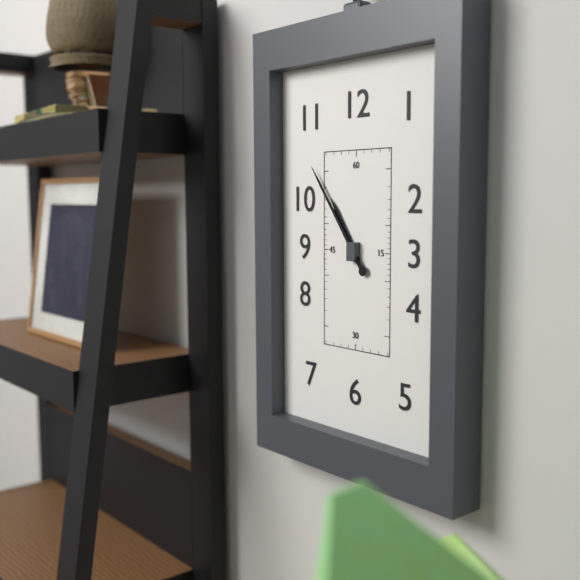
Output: 10h54
